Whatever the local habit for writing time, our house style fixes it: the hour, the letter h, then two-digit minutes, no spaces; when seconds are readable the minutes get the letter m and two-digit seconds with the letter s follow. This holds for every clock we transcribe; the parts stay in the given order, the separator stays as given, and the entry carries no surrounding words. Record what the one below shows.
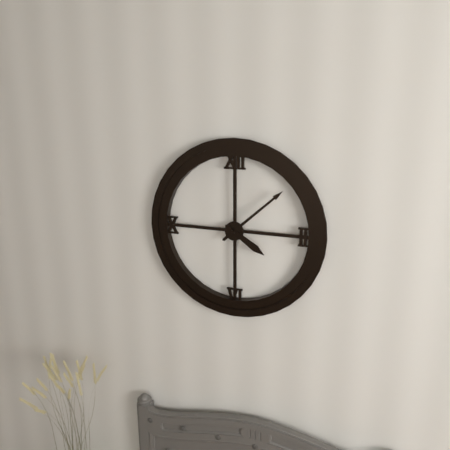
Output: 4h08
